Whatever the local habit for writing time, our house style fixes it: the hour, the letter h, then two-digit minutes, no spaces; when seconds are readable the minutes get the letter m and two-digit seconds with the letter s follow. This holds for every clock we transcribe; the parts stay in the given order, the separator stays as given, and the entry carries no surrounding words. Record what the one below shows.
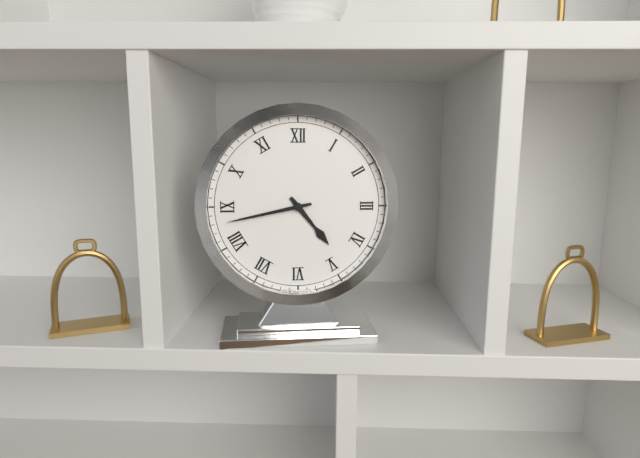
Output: 4h43
